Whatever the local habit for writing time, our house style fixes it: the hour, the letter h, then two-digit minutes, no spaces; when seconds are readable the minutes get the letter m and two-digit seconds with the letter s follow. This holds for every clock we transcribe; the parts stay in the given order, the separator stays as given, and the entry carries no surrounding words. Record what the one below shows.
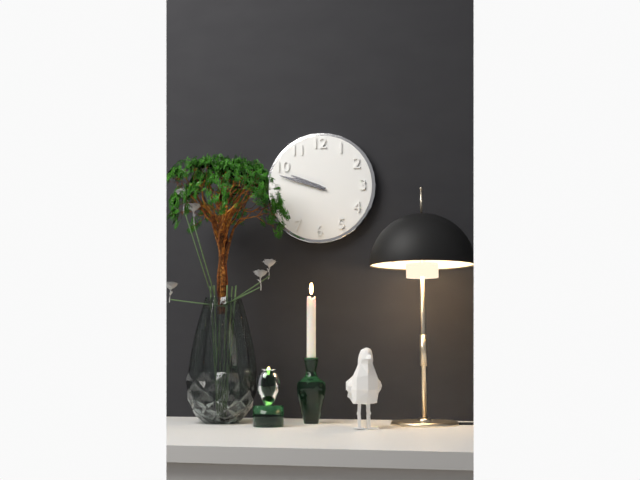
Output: 9h48
